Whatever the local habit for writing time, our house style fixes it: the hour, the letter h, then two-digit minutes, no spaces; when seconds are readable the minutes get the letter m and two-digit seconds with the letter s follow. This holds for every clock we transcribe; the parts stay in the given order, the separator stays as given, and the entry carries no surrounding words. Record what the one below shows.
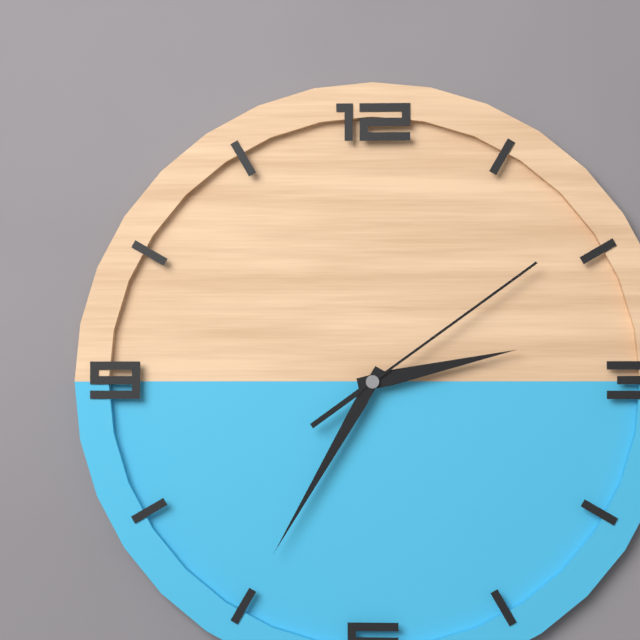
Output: 2h35m09s
